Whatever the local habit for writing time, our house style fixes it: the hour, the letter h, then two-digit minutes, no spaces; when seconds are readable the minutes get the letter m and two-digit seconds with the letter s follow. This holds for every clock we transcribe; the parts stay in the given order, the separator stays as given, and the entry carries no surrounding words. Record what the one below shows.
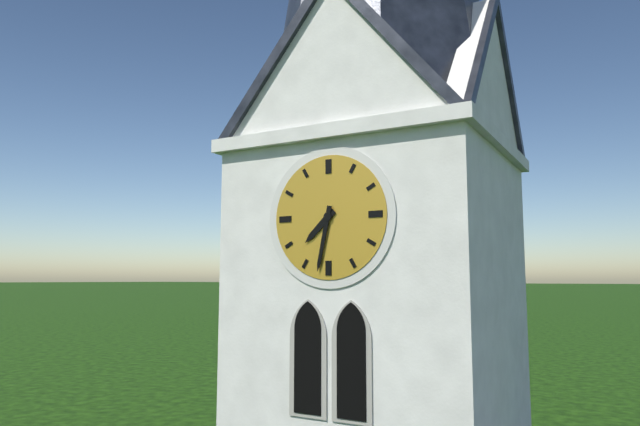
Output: 7h32
